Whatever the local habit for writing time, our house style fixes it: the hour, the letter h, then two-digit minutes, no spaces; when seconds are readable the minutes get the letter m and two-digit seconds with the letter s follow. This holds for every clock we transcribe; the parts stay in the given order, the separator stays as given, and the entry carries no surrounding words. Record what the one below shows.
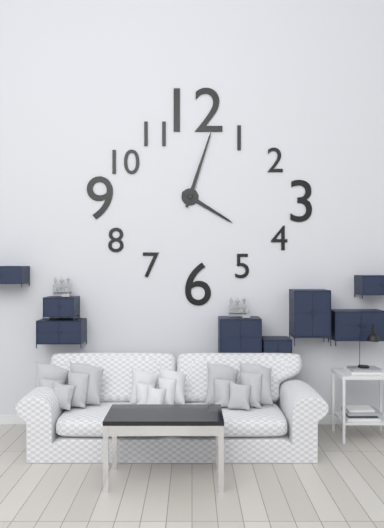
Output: 4h03
